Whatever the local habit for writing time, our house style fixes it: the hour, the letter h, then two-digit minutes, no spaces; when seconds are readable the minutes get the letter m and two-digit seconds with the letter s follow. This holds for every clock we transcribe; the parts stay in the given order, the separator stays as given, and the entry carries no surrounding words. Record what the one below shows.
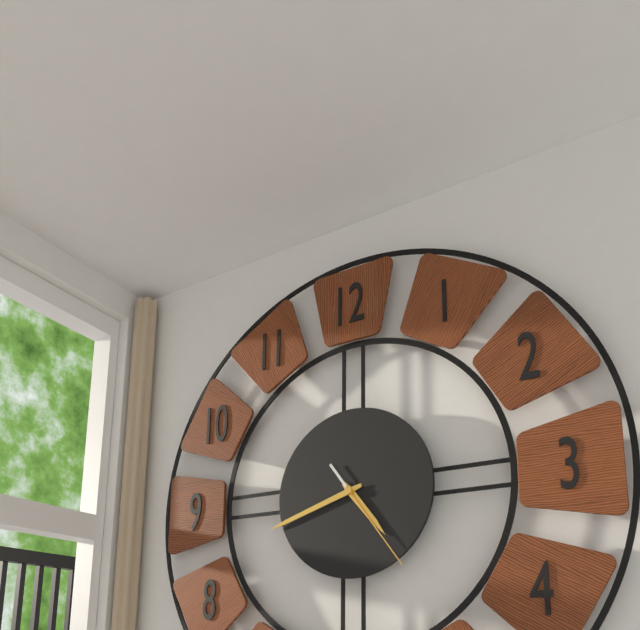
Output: 4h42m24s
